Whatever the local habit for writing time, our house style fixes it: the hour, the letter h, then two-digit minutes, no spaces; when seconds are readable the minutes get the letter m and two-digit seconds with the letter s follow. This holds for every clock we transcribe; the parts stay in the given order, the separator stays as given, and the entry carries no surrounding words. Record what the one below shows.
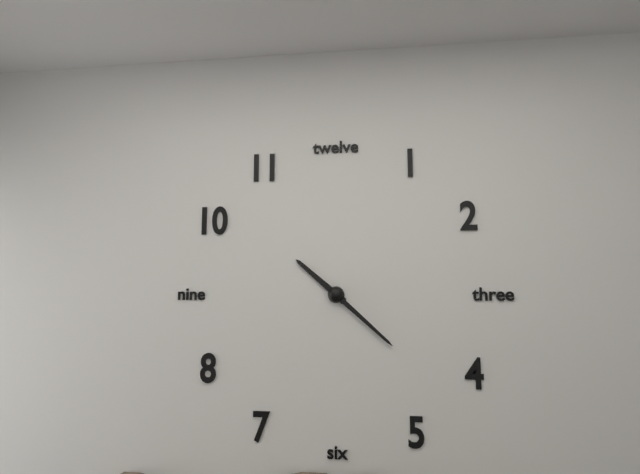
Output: 10h22
